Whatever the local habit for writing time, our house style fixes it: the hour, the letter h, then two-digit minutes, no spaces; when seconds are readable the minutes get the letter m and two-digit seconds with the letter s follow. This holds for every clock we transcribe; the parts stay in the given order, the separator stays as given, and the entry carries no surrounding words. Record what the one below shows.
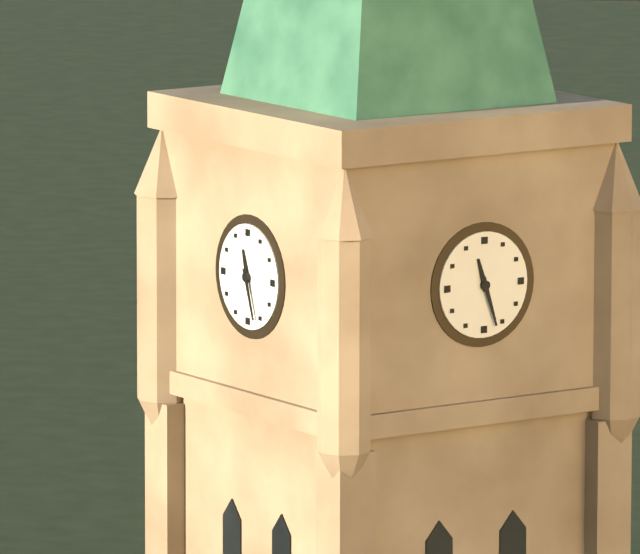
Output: 11h27
